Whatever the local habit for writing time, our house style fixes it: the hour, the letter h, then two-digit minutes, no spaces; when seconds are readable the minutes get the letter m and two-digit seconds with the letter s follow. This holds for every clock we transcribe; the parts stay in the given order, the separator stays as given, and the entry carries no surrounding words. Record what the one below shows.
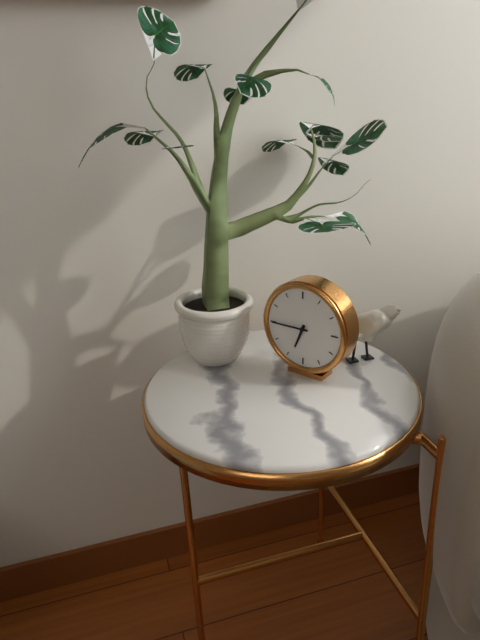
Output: 6h45
